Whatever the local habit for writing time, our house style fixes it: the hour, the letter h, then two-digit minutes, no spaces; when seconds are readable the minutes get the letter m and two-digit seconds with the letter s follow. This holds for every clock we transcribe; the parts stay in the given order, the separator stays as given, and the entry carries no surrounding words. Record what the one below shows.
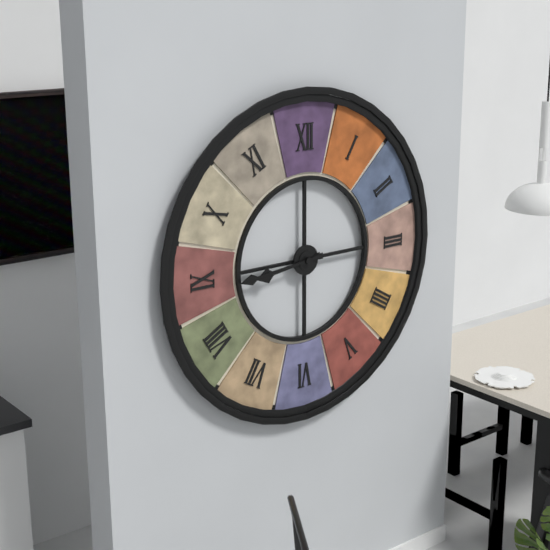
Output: 8h44
